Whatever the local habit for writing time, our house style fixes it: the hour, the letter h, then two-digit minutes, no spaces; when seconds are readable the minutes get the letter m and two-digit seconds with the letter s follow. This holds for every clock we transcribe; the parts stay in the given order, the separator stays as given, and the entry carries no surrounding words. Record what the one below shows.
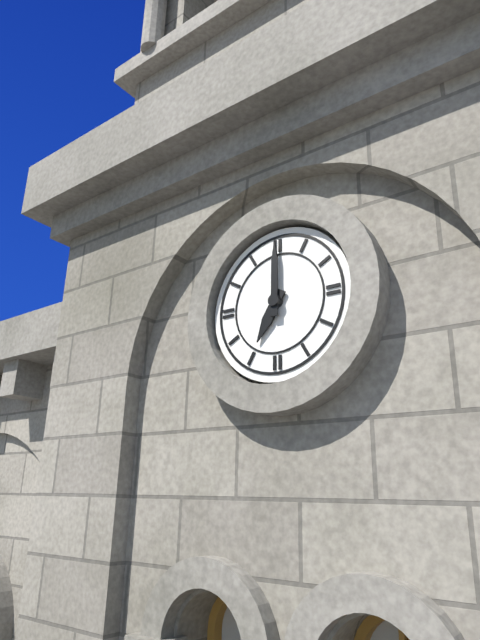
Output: 7h00
